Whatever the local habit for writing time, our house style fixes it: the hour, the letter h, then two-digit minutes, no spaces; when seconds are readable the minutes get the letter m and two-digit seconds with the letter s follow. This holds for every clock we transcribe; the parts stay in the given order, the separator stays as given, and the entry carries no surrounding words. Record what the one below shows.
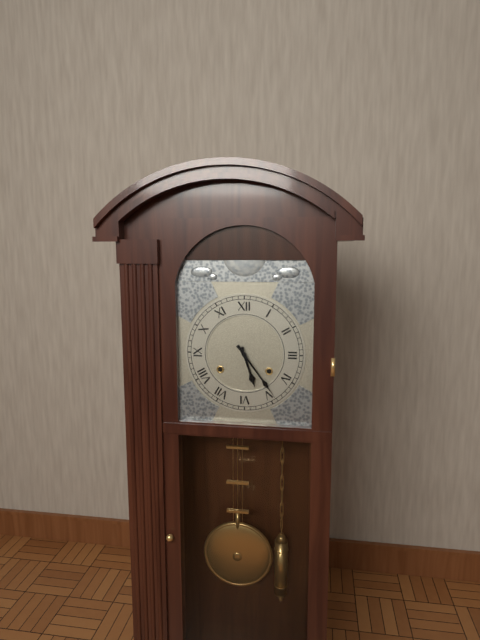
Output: 5h24
